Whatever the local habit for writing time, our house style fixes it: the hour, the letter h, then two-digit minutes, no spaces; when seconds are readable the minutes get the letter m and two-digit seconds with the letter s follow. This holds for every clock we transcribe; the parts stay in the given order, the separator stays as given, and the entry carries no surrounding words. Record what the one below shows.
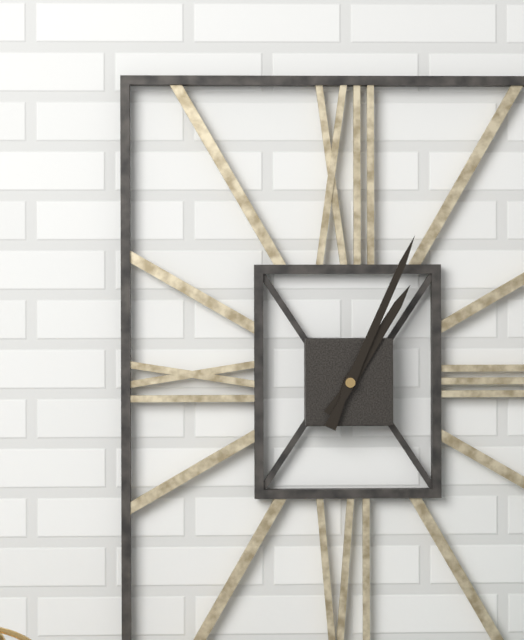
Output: 1h04
